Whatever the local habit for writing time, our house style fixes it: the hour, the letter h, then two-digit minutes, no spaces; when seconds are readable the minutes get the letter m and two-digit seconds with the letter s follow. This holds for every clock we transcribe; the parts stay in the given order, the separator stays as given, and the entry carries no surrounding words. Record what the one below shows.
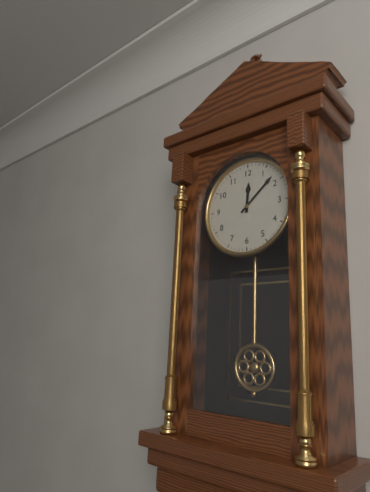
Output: 12h08
